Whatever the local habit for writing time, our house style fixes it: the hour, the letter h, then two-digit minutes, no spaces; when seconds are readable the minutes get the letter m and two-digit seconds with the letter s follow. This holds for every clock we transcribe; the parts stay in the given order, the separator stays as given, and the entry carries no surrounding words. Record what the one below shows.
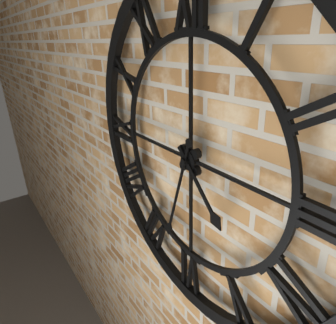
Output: 4h33
